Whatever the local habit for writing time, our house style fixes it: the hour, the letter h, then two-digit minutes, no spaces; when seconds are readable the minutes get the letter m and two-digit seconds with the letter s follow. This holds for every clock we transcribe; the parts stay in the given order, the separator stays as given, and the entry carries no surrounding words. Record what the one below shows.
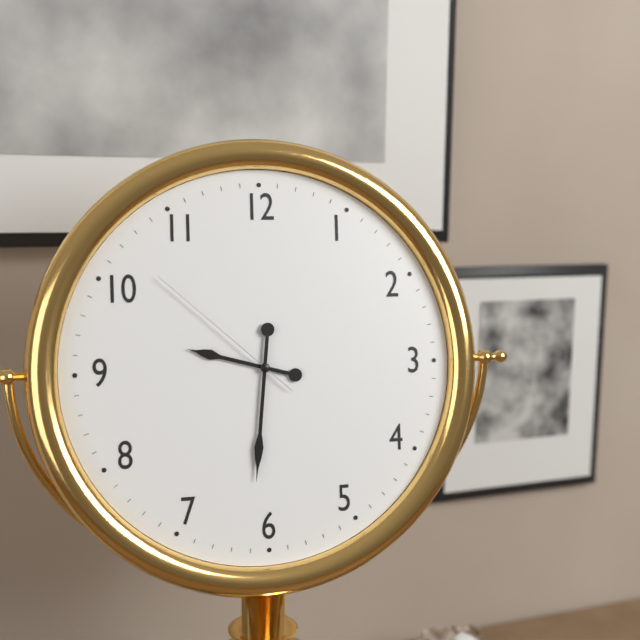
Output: 9h31m52s
